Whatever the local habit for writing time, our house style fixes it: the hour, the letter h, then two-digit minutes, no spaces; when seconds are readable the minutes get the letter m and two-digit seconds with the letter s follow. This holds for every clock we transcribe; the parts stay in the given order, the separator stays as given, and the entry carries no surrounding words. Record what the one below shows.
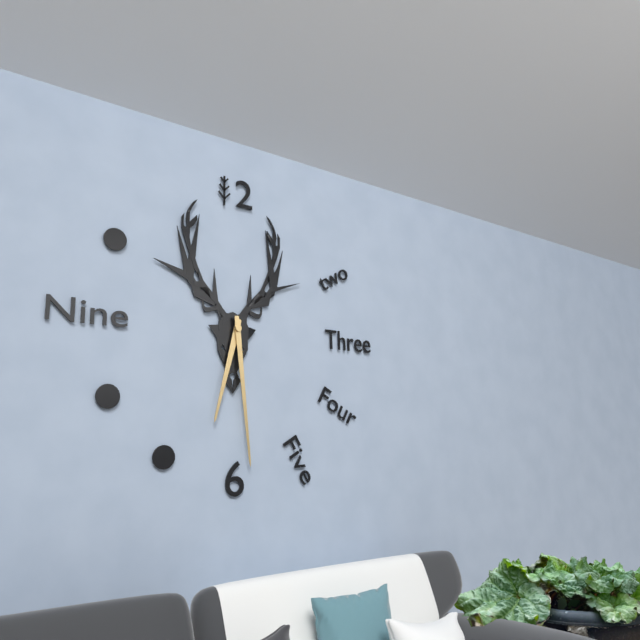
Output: 6h29
